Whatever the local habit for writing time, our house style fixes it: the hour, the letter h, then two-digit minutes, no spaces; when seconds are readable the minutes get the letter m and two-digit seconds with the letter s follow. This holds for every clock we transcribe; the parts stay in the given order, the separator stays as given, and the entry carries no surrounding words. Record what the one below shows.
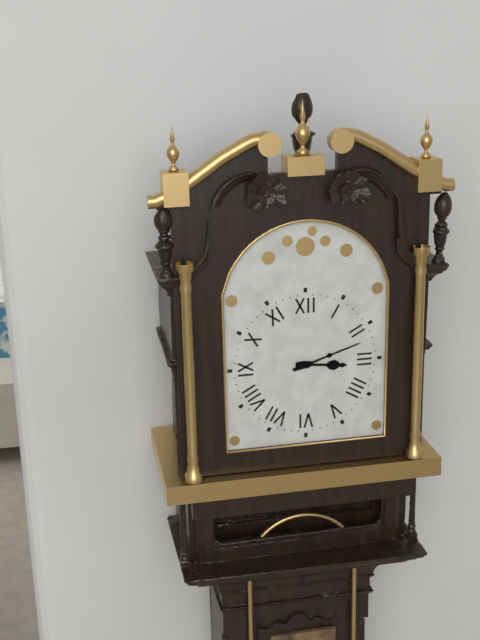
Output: 3h12
